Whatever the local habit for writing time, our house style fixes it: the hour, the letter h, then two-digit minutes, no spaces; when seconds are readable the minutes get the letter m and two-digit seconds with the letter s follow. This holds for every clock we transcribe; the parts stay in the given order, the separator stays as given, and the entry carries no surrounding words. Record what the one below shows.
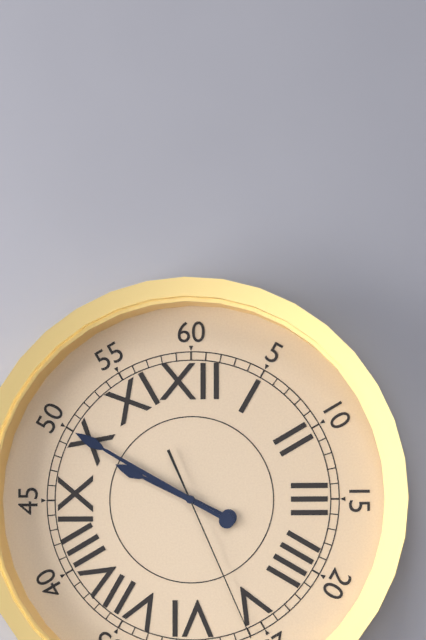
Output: 9h50m26s
